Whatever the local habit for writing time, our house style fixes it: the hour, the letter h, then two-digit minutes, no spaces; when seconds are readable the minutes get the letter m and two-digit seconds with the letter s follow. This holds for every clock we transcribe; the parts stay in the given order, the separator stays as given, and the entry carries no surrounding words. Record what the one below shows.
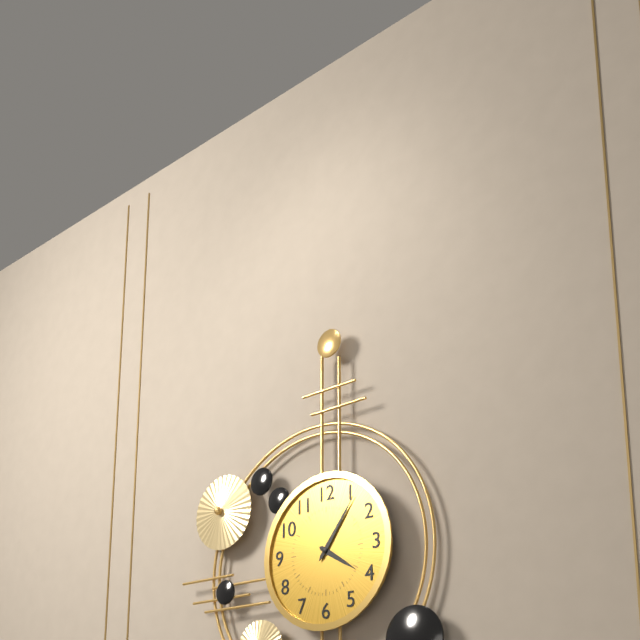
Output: 4h06
